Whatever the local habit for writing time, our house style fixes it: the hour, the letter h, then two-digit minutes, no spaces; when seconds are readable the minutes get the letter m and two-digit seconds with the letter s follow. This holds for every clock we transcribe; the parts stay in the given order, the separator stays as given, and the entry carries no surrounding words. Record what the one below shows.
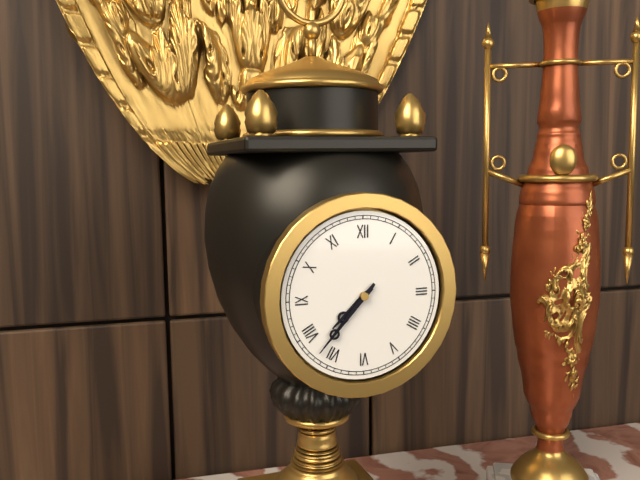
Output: 7h37
